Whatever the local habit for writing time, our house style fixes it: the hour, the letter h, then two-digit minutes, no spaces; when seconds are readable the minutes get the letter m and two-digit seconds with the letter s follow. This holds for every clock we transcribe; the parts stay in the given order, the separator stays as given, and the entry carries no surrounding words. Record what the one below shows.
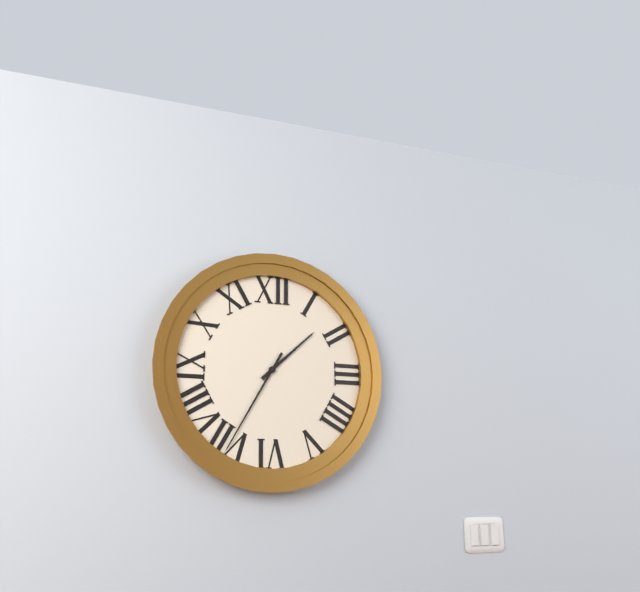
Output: 1h35
